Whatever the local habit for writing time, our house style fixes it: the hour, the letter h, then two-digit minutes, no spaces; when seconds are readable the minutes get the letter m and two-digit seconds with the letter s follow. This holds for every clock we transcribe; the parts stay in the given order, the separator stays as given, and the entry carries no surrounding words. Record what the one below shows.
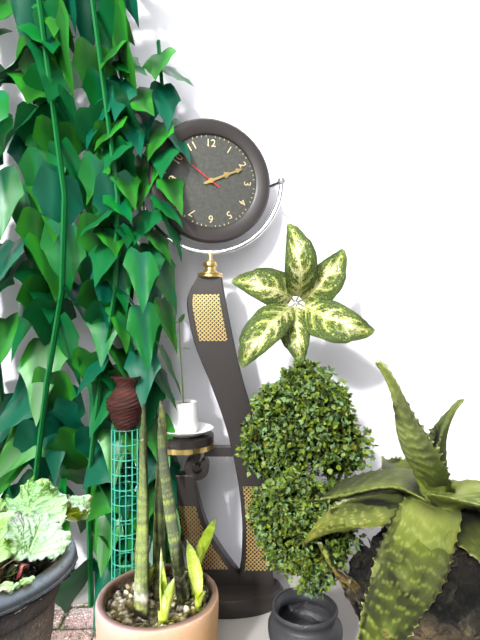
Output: 2h11m51s
